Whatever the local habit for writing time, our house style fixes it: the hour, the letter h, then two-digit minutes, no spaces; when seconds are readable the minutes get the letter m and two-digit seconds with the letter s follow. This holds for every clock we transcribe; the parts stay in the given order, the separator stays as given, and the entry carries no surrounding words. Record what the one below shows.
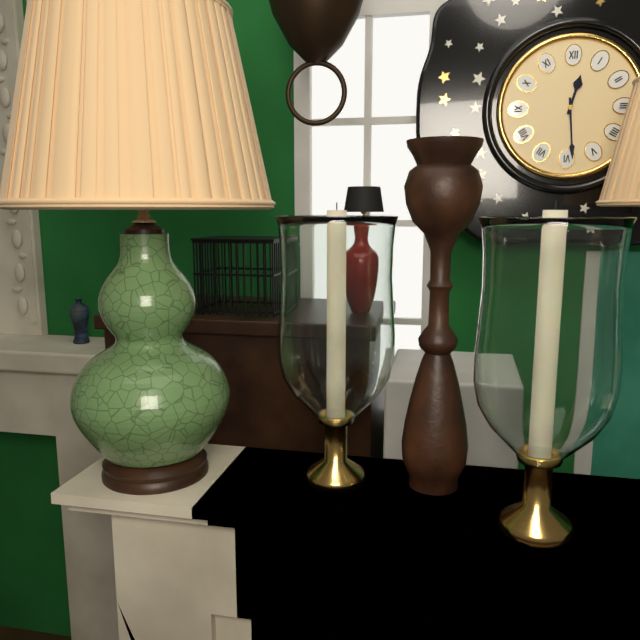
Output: 12h29
